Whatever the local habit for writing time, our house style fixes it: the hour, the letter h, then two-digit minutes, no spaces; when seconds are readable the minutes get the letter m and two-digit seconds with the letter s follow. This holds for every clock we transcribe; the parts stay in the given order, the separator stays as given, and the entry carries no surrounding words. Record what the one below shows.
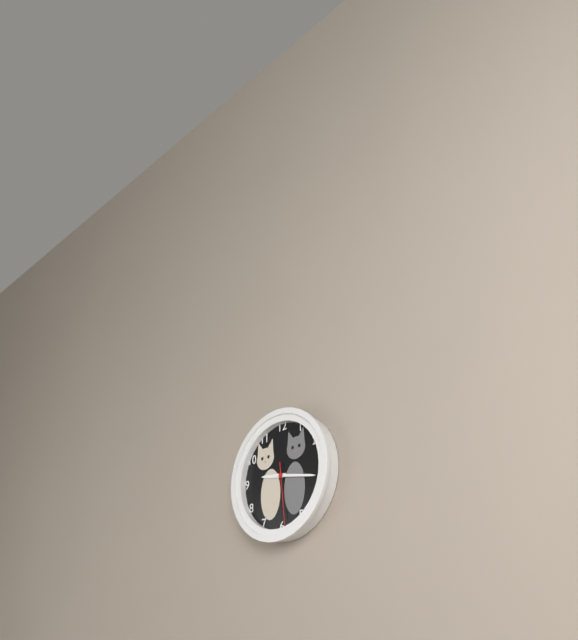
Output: 9h17m29s
